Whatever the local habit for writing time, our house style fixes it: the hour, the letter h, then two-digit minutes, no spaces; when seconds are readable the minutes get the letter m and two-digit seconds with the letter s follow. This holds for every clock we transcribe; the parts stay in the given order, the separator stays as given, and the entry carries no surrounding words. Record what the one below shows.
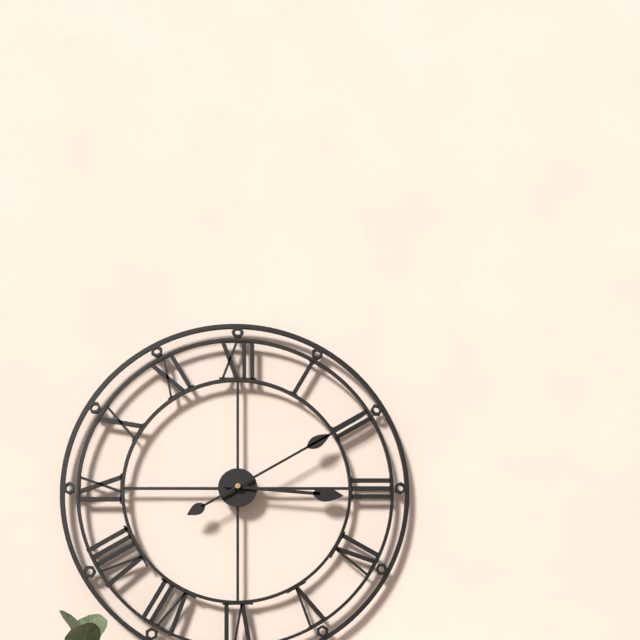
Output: 3h10
